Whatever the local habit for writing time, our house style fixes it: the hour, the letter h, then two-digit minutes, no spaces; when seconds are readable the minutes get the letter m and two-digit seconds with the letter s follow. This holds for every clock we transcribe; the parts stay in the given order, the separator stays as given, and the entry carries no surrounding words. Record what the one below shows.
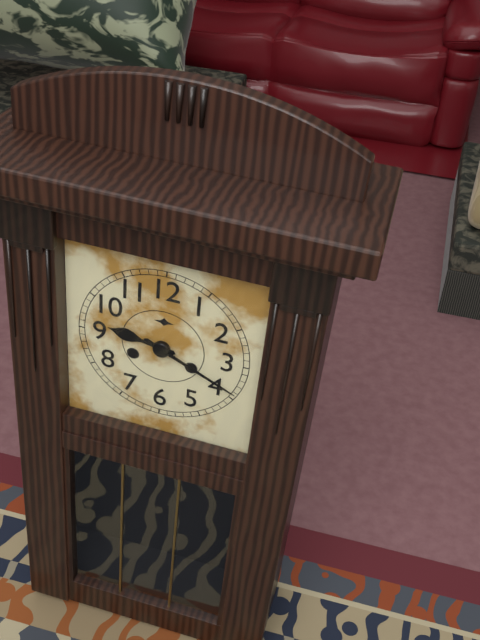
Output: 9h19
